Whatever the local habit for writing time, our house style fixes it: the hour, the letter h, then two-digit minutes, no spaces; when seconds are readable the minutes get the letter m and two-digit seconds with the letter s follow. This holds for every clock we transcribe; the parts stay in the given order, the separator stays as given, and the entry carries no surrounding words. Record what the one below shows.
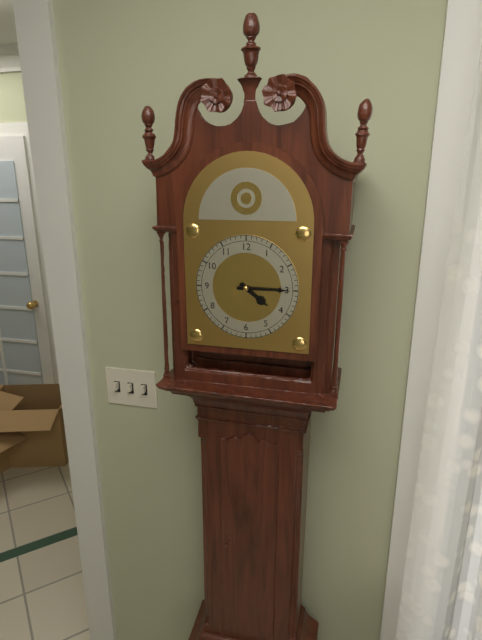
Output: 4h15
